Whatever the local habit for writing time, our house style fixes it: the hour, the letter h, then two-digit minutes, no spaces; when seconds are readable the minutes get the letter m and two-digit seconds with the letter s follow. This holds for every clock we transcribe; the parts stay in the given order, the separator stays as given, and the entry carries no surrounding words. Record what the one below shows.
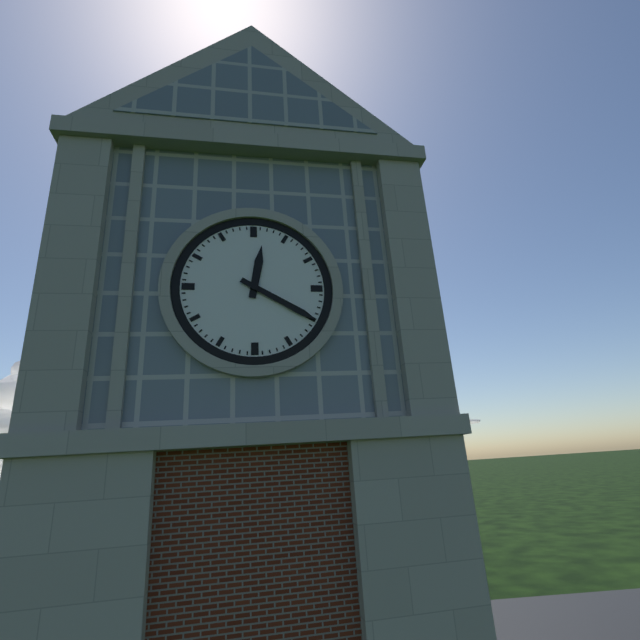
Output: 12h20
